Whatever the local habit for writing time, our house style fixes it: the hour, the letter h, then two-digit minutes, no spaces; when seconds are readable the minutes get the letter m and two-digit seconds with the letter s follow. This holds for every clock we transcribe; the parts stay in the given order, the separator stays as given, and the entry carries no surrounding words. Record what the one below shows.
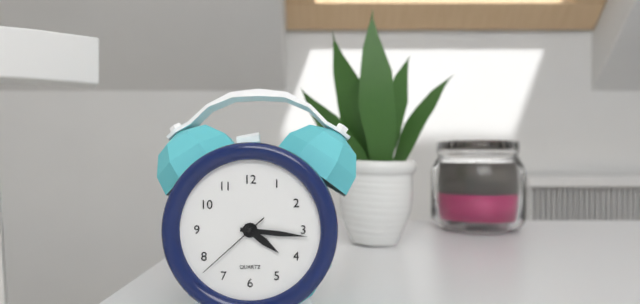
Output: 4h16m38s
